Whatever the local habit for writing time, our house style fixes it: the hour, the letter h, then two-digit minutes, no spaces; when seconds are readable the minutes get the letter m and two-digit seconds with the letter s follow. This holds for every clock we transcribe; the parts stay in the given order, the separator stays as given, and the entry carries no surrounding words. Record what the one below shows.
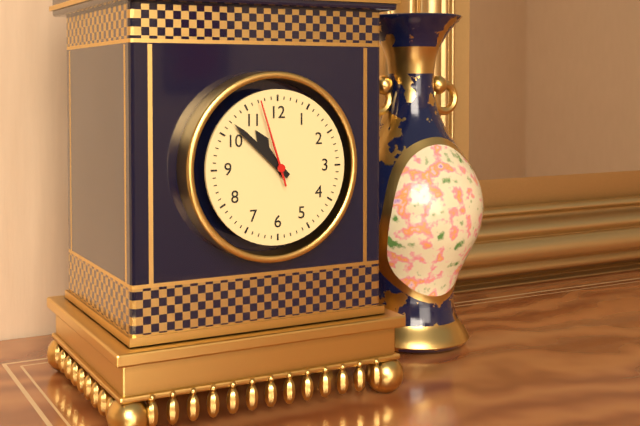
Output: 10h52m57s
